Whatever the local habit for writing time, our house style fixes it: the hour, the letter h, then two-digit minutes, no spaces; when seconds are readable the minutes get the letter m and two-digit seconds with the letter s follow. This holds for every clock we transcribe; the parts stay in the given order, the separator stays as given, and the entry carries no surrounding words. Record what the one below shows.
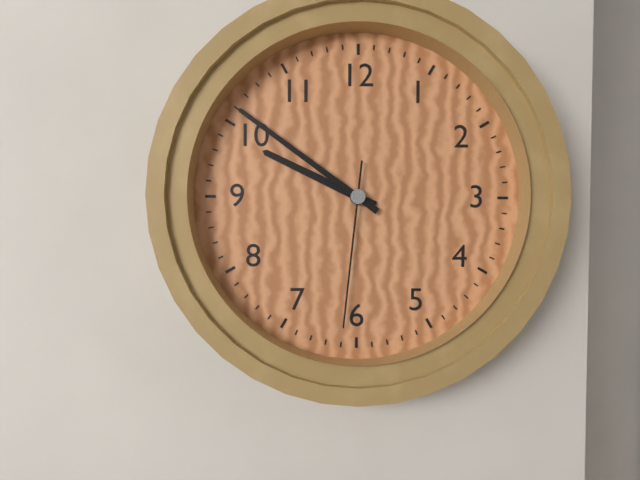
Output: 9h51m31s
